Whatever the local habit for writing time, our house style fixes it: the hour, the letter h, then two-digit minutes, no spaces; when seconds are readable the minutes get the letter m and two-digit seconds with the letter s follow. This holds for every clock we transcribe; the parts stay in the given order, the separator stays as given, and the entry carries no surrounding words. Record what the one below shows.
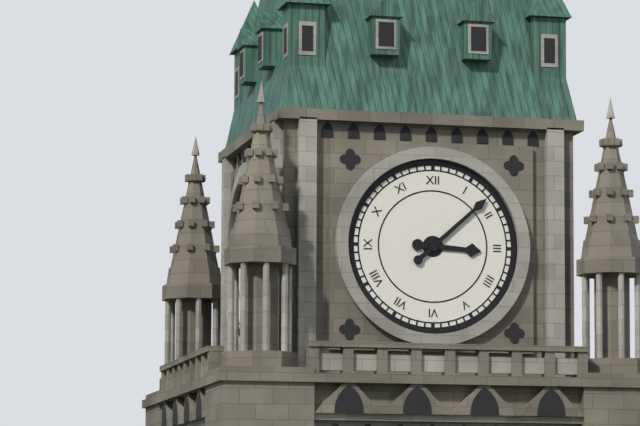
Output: 3h08
